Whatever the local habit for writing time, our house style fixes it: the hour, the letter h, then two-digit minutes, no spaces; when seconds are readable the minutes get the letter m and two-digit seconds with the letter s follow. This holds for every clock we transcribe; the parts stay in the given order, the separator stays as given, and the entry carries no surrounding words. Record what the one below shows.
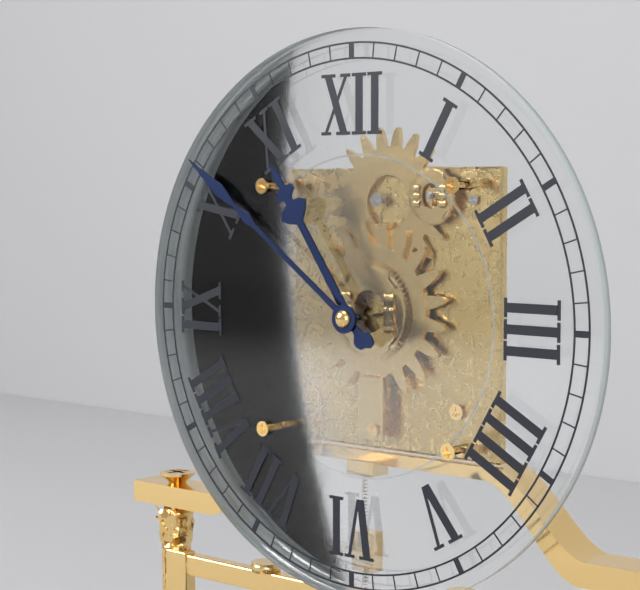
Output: 10h51
